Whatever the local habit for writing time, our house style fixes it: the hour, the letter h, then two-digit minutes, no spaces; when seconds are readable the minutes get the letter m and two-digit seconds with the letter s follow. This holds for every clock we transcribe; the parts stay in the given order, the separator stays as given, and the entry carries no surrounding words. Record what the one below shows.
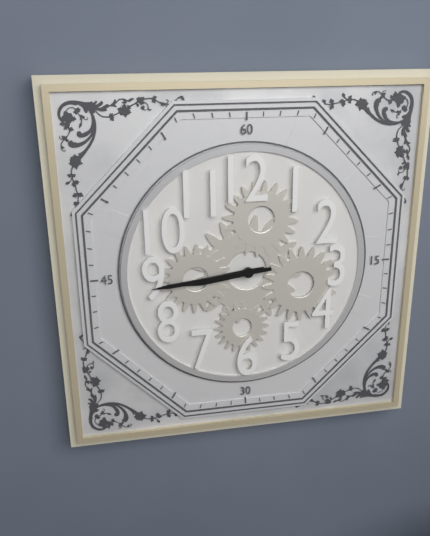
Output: 8h44
